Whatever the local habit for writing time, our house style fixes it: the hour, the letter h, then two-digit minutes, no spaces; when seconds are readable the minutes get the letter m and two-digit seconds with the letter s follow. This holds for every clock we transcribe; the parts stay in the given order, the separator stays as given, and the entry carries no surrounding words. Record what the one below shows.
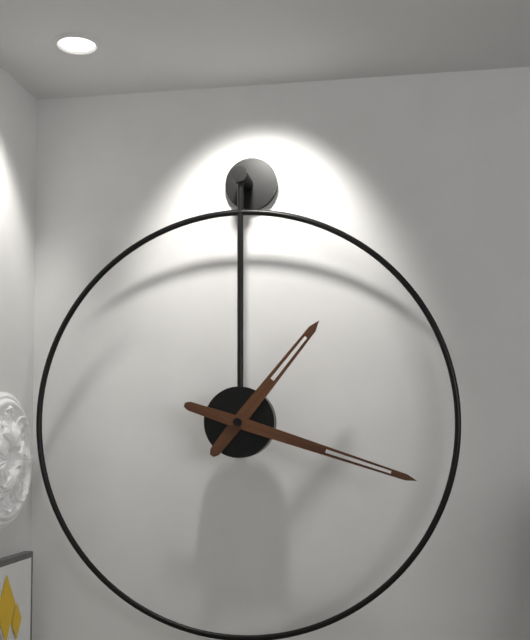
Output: 1h18
